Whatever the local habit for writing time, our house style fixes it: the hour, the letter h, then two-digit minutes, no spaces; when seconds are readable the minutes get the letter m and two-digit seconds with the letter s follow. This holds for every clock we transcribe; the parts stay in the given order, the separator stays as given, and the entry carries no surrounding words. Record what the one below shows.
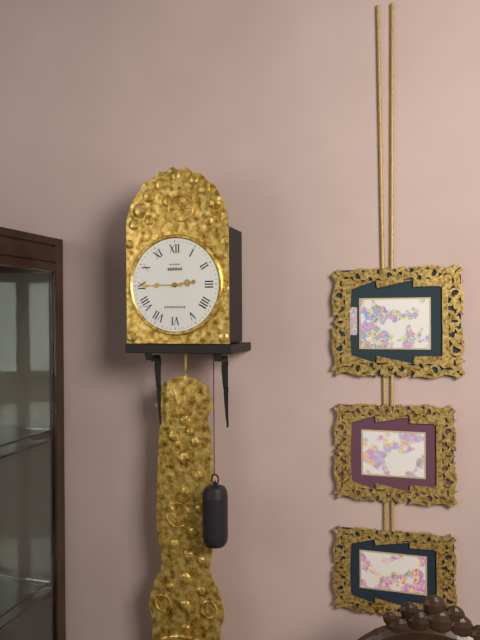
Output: 2h45
